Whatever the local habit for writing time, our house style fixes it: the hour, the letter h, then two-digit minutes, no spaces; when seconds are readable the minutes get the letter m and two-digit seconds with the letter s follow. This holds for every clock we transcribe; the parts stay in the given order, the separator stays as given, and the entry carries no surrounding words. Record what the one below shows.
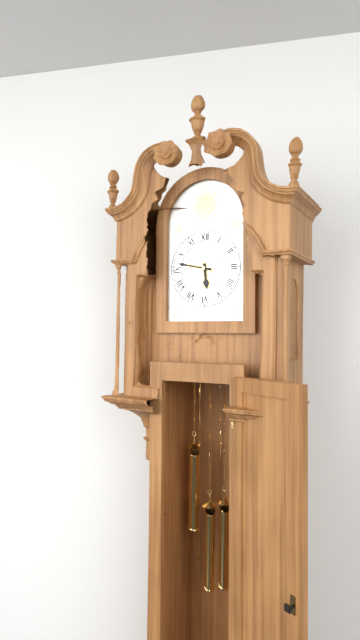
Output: 5h47
